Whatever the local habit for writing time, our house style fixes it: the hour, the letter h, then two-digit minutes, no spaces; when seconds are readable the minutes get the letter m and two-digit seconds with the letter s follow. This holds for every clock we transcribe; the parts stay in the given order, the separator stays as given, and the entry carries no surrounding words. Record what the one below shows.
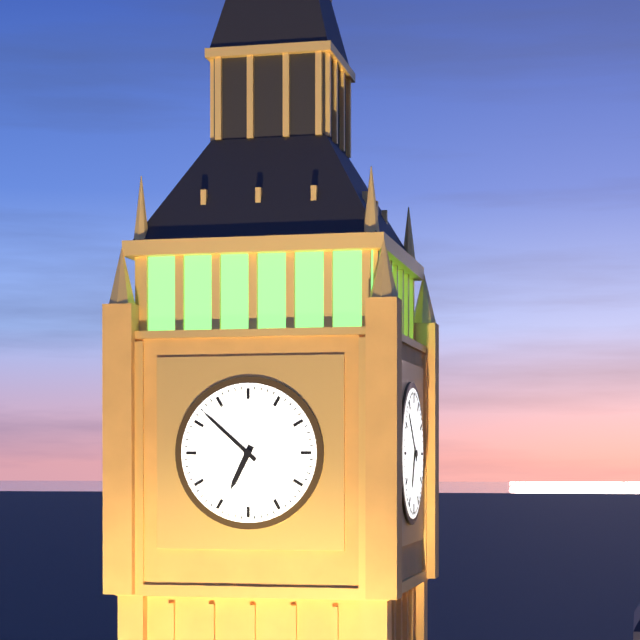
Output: 6h52
